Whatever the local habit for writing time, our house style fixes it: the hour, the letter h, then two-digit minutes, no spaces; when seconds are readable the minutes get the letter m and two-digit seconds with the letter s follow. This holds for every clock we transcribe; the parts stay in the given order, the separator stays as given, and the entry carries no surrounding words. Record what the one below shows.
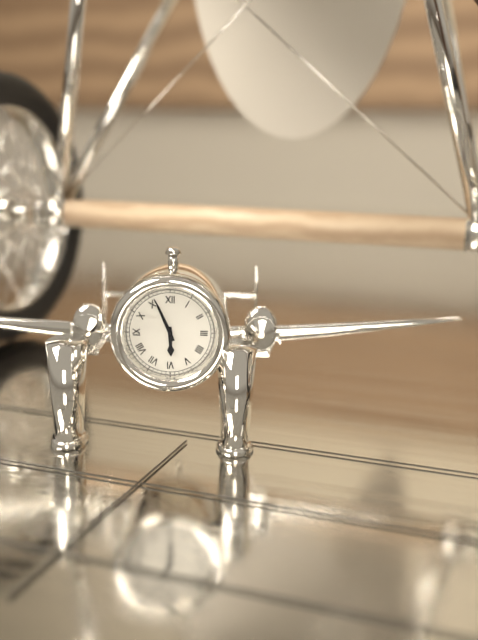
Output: 5h56
